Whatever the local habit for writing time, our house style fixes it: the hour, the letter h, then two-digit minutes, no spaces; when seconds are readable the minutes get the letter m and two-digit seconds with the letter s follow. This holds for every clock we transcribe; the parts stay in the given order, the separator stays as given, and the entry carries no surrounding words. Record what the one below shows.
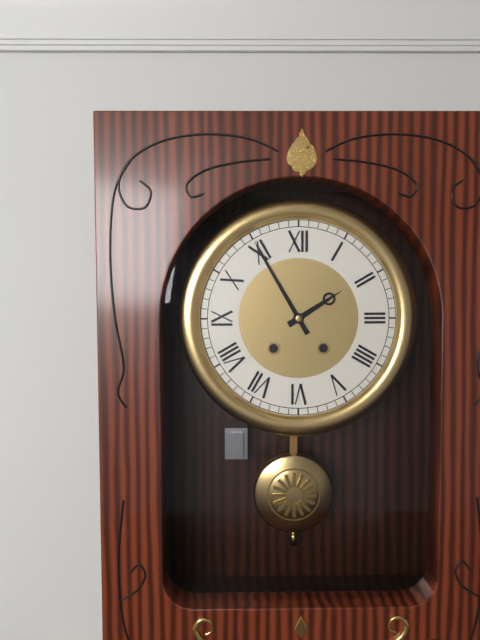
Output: 1h55
